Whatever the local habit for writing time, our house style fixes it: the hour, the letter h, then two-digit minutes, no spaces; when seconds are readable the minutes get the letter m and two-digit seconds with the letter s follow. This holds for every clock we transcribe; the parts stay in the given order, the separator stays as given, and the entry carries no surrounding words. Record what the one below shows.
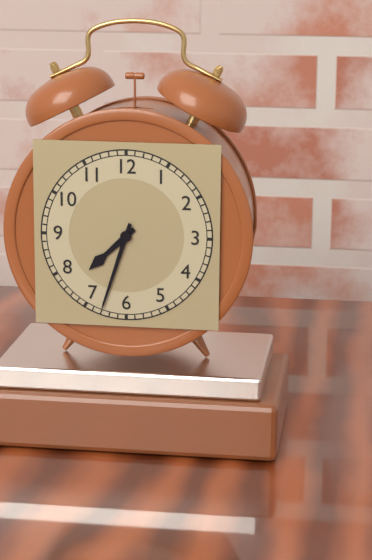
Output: 7h33
